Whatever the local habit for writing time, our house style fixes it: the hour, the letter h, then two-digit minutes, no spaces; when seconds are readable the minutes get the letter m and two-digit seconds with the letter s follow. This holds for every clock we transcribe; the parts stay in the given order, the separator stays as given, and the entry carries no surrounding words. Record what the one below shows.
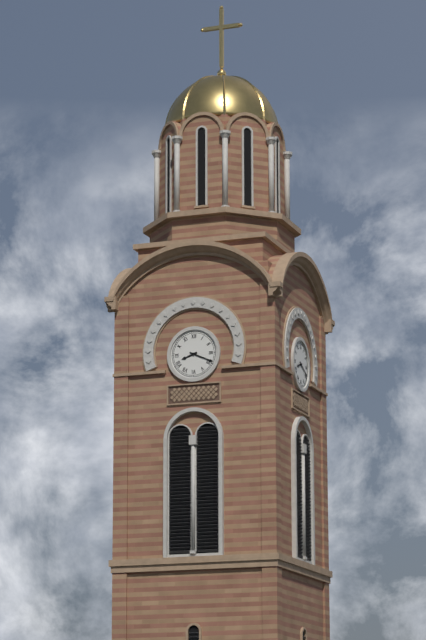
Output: 8h19
